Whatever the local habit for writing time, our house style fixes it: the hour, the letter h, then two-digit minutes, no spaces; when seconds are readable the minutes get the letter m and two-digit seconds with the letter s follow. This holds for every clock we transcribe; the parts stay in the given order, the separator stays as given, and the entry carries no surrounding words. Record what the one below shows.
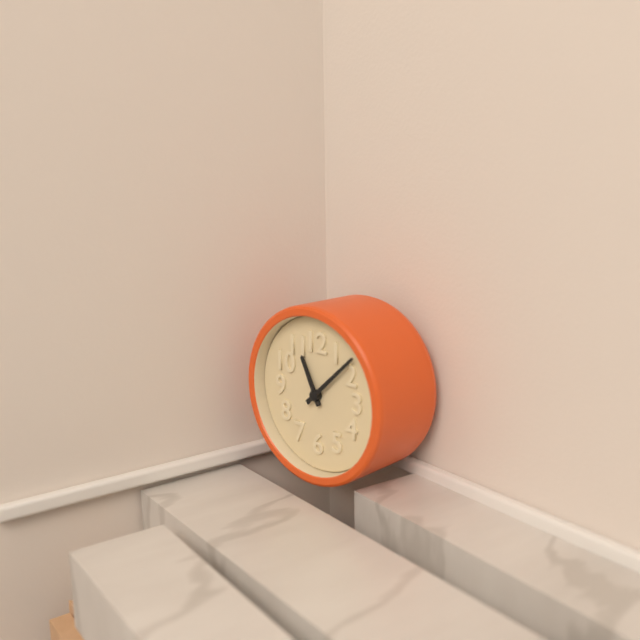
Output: 11h08
